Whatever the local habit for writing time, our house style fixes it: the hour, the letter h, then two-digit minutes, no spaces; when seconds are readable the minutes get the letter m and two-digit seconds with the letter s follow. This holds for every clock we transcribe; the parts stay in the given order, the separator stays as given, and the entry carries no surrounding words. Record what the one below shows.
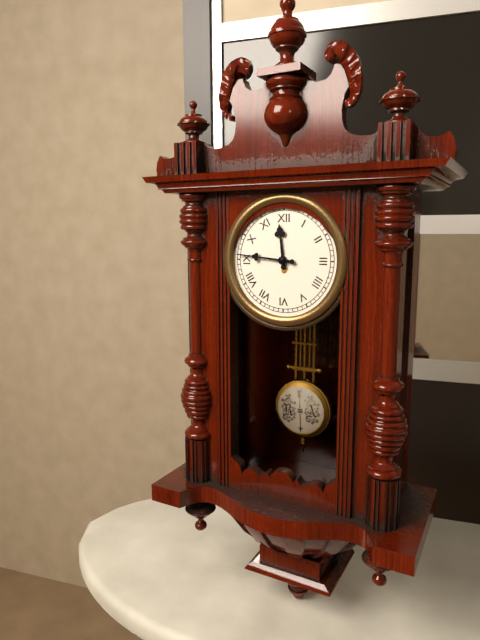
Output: 11h46
